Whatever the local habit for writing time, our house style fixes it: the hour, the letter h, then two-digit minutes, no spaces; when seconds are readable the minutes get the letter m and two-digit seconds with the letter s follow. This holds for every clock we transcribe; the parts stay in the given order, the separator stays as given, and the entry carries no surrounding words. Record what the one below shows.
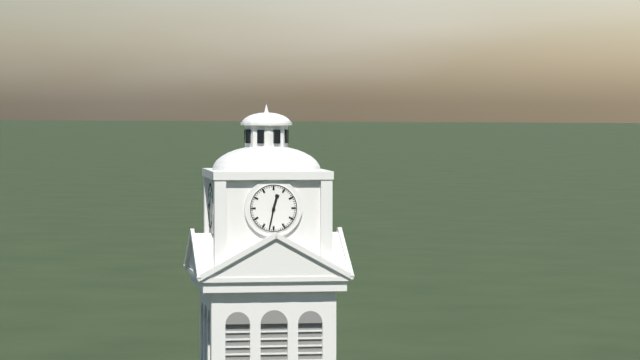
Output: 12h32
